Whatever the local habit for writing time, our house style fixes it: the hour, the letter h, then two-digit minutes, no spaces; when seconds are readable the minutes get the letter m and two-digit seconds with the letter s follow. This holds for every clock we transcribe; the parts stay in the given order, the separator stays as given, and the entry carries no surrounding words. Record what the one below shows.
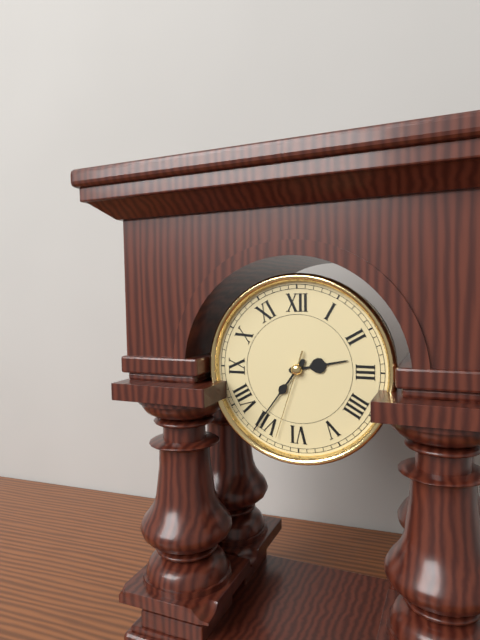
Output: 2h36m33s
